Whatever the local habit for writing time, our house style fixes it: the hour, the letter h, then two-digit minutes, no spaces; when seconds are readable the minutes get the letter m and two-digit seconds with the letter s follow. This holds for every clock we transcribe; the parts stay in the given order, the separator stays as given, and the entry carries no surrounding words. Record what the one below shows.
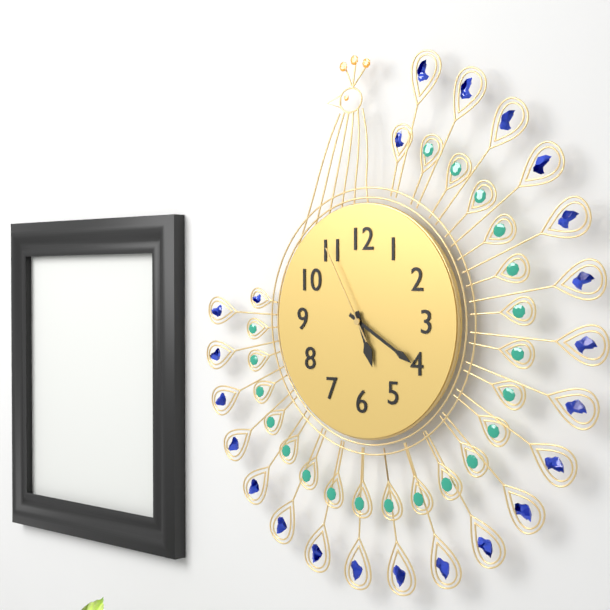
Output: 5h20m55s
